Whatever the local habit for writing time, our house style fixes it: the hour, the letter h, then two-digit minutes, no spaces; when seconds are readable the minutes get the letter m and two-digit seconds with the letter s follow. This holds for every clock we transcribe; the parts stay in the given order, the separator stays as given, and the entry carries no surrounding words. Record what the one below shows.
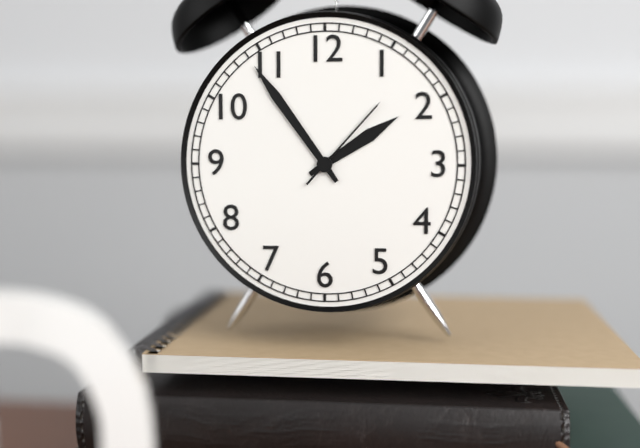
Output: 1h54m07s
